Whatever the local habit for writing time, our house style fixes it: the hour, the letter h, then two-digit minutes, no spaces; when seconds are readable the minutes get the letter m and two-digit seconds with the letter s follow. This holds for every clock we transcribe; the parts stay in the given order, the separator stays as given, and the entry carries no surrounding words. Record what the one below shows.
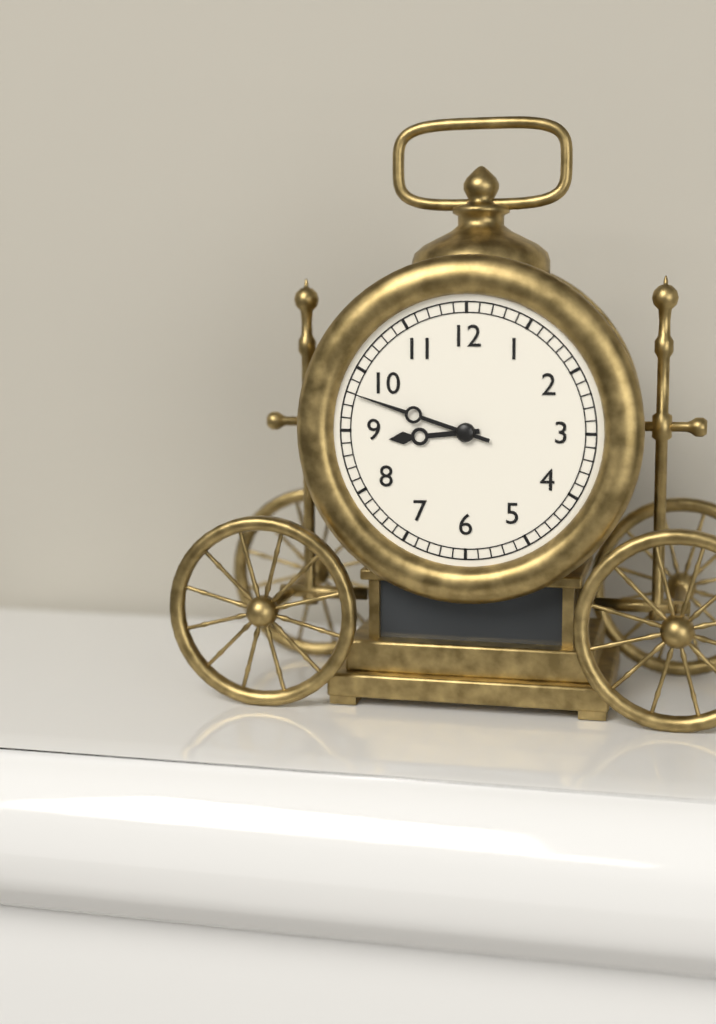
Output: 8h48
